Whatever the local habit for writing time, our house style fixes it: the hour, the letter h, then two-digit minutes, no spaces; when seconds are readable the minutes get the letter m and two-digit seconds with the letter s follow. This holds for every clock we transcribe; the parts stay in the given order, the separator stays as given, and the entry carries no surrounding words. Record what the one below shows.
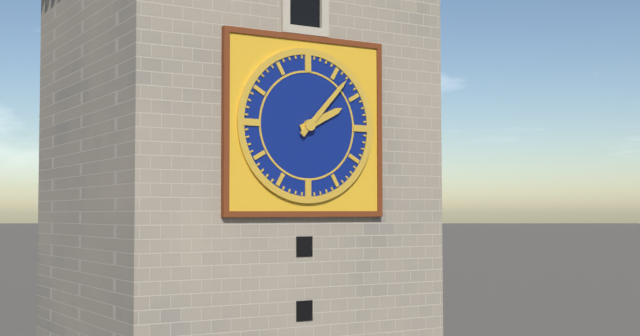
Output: 2h07
